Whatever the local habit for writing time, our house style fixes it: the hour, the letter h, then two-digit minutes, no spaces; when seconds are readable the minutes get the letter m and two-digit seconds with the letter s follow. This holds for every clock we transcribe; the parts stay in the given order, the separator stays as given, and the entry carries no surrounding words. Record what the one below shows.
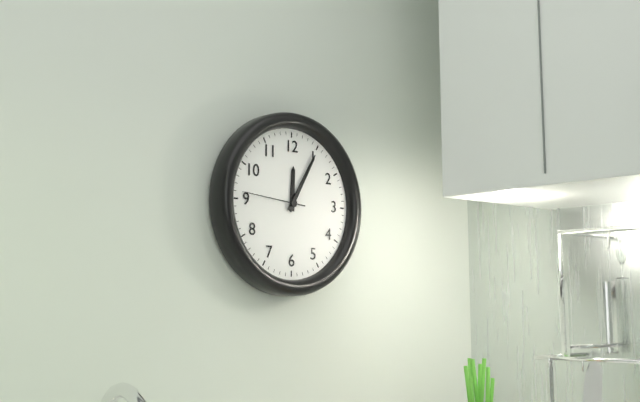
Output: 12h05m46s
